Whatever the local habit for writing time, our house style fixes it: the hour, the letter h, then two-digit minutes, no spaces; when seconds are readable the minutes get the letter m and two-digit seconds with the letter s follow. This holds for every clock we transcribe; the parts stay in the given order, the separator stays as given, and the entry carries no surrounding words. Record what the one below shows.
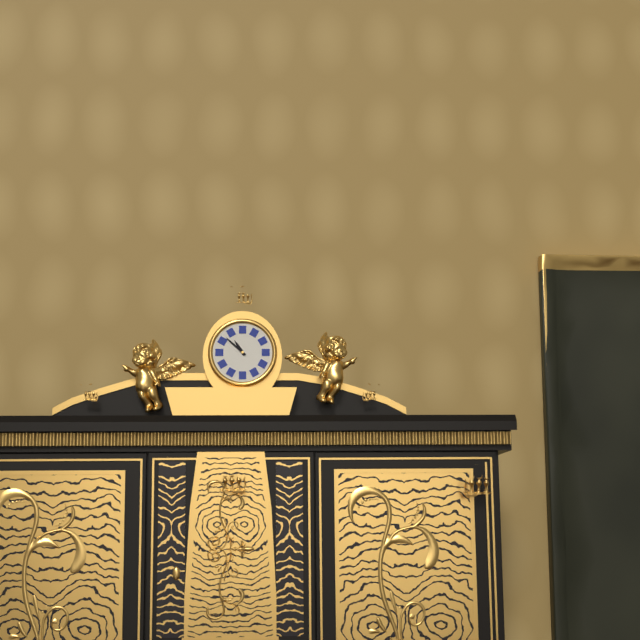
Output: 10h52
